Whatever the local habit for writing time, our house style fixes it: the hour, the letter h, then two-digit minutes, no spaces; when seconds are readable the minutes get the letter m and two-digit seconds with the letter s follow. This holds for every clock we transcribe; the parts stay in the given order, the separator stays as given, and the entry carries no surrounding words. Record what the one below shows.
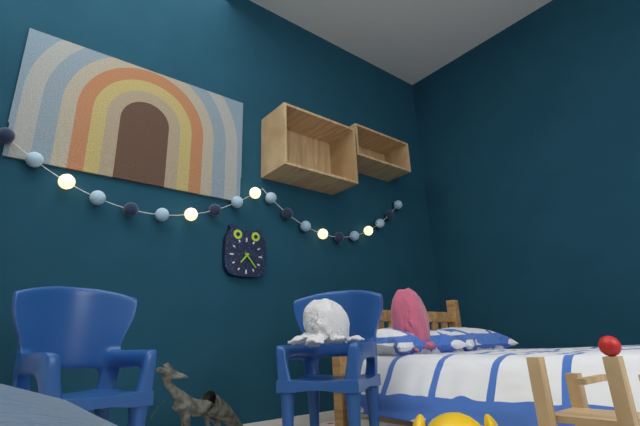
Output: 7h23
